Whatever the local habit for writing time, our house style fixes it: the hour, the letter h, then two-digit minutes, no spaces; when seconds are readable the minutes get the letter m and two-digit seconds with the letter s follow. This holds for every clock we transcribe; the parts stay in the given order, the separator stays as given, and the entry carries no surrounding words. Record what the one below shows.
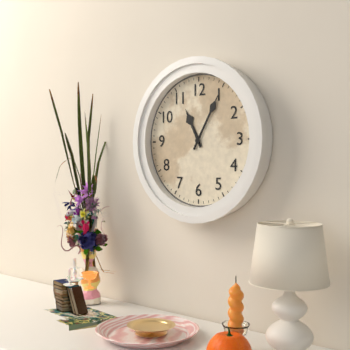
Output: 11h05
